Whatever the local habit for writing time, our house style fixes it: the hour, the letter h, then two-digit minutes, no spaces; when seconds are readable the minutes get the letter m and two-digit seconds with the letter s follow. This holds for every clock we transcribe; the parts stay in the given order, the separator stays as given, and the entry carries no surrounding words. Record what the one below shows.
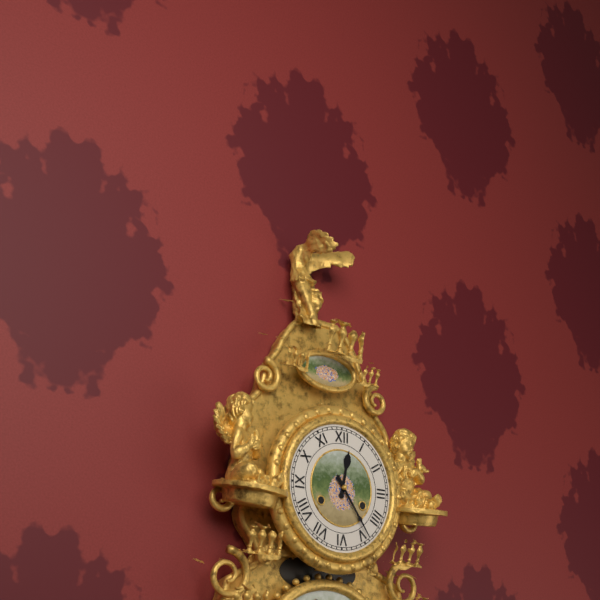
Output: 12h24
